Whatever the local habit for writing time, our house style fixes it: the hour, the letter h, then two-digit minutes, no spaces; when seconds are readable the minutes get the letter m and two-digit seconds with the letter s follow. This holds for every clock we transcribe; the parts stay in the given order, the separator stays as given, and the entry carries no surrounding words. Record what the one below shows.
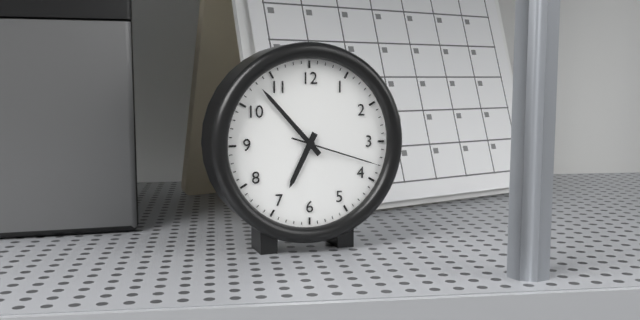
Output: 6h53m18s
